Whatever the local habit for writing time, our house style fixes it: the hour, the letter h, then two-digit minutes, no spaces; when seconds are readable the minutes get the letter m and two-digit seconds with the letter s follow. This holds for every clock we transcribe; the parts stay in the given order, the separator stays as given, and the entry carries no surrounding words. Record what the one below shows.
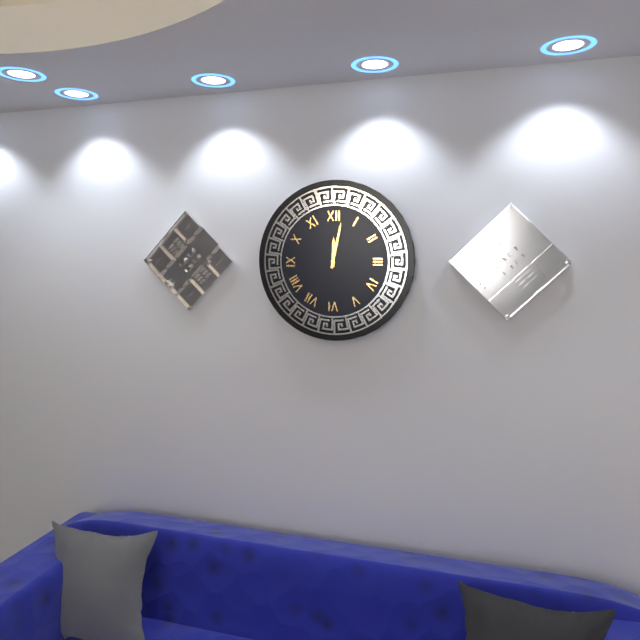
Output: 12h02
